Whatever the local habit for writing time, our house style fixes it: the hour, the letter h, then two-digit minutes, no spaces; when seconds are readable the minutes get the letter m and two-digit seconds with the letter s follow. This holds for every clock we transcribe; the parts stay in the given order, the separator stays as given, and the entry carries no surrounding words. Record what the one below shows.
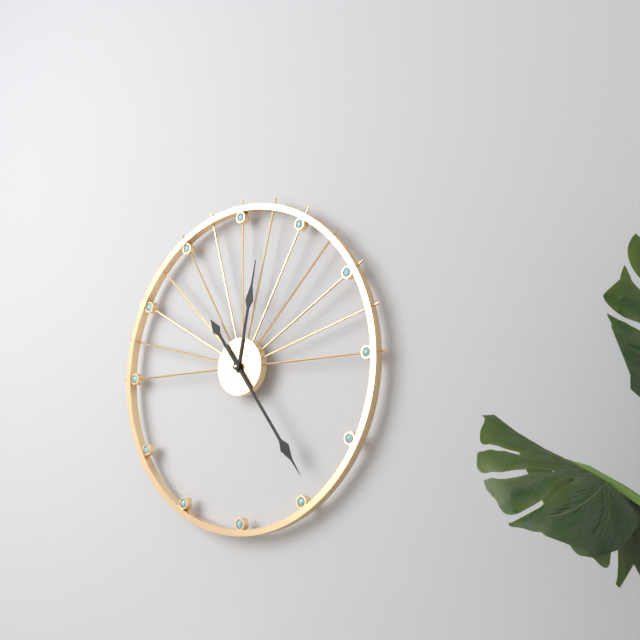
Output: 12h24
